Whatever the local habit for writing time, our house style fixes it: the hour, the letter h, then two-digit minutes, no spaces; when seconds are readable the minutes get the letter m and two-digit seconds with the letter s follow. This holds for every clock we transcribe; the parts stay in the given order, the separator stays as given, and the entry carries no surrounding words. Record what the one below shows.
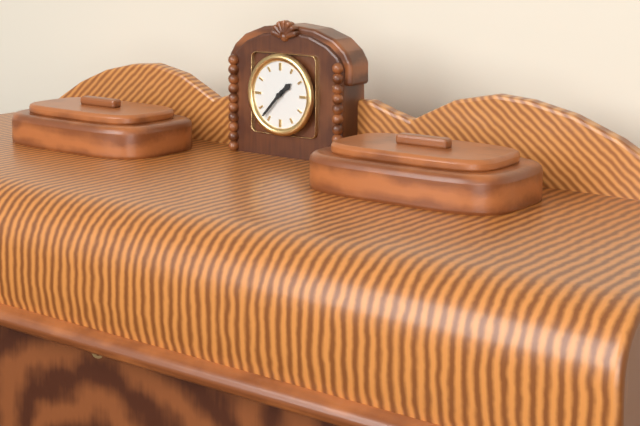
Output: 1h37
